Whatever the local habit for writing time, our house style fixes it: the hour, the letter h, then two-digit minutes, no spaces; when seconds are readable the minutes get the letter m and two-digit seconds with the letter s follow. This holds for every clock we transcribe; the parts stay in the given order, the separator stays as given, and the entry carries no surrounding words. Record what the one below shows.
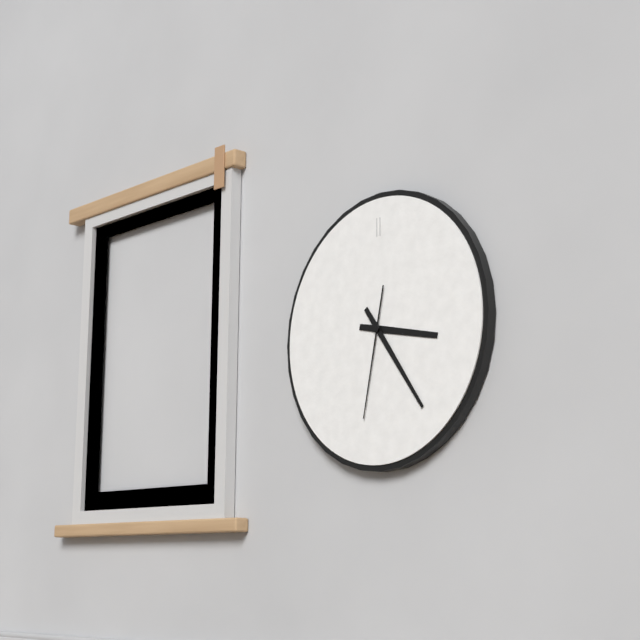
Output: 3h24m32s
